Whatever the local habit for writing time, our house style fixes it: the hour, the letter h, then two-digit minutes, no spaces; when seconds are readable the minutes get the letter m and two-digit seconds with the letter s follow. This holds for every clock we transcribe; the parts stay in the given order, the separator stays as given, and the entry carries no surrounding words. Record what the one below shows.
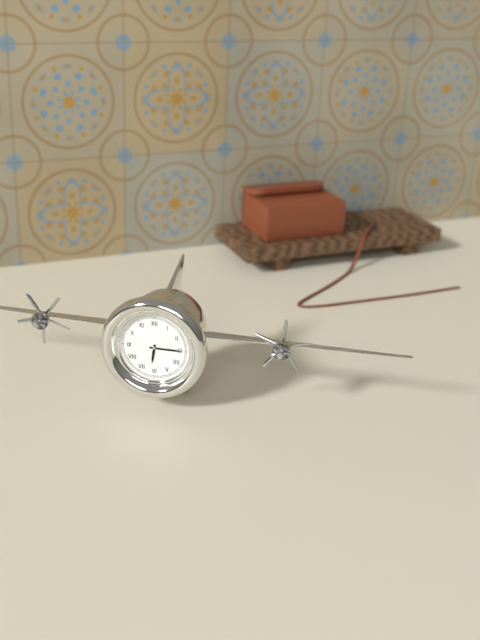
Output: 6h15
